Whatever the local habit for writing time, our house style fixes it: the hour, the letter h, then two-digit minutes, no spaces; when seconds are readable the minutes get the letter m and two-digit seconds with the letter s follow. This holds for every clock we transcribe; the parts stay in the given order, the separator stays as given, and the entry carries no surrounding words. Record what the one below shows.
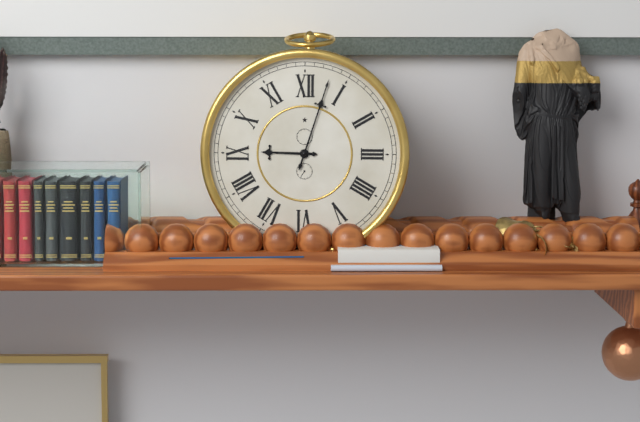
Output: 9h03
